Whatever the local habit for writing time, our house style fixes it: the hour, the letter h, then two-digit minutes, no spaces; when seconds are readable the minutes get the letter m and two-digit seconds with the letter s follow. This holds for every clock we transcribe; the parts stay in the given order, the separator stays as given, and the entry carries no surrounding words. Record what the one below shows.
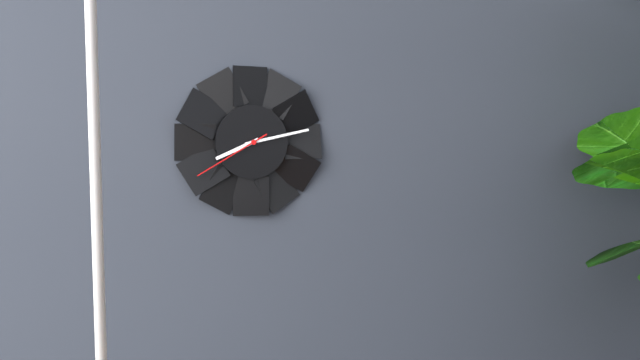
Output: 8h13m40s
